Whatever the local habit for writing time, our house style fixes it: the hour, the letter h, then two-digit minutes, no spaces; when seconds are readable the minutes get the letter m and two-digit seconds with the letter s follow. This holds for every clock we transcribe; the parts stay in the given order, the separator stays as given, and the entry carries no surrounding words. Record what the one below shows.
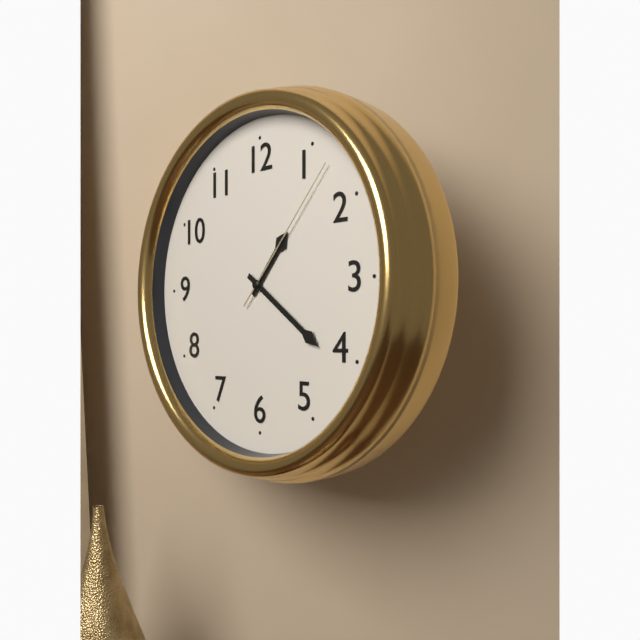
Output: 1h21m07s
